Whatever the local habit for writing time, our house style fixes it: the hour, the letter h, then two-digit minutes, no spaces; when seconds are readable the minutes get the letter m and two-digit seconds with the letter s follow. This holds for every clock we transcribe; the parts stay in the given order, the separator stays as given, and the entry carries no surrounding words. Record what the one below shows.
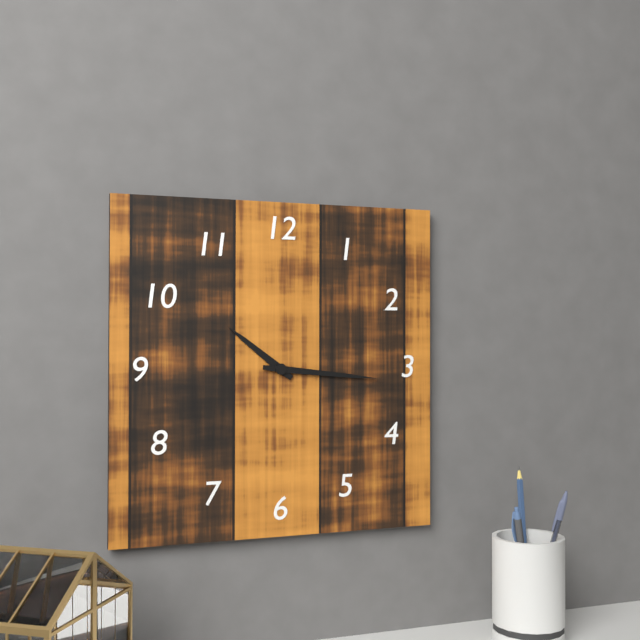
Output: 10h16
